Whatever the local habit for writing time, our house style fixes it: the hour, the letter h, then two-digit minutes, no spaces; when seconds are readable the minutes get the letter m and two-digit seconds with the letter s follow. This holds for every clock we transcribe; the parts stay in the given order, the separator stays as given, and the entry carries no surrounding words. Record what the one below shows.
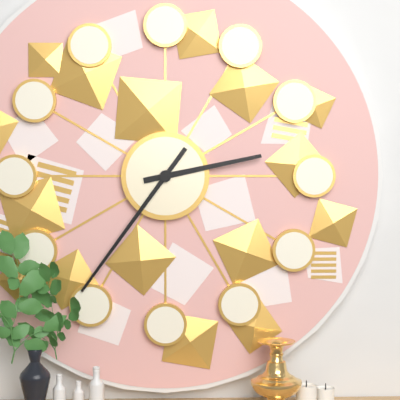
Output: 2h36
